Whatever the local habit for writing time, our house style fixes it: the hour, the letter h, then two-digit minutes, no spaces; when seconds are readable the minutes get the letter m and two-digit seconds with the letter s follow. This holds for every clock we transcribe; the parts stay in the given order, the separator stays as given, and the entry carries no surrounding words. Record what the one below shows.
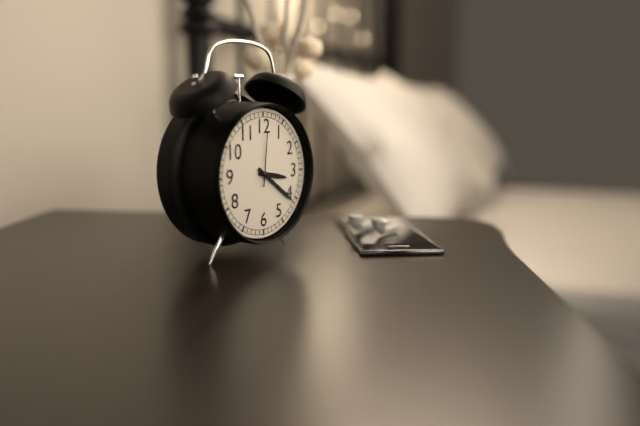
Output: 3h21m01s
